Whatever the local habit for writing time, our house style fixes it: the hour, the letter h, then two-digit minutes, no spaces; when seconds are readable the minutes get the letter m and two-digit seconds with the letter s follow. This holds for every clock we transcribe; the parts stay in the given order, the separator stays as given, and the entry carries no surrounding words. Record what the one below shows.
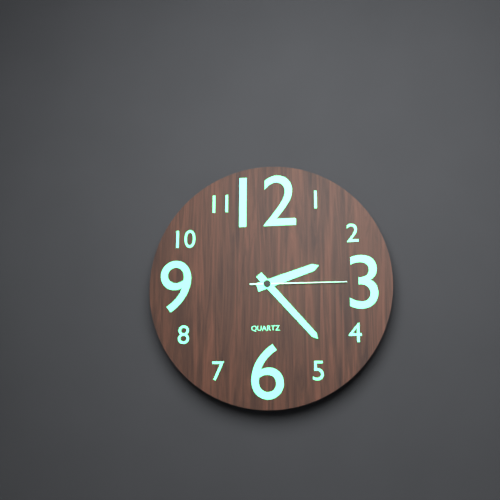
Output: 2h23m15s
